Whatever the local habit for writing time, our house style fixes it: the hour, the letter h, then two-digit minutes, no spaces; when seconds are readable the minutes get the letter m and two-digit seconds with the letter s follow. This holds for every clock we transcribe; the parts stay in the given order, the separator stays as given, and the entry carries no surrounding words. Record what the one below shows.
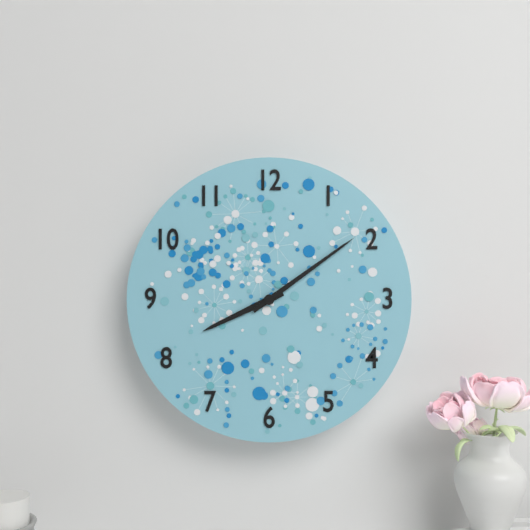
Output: 8h09
